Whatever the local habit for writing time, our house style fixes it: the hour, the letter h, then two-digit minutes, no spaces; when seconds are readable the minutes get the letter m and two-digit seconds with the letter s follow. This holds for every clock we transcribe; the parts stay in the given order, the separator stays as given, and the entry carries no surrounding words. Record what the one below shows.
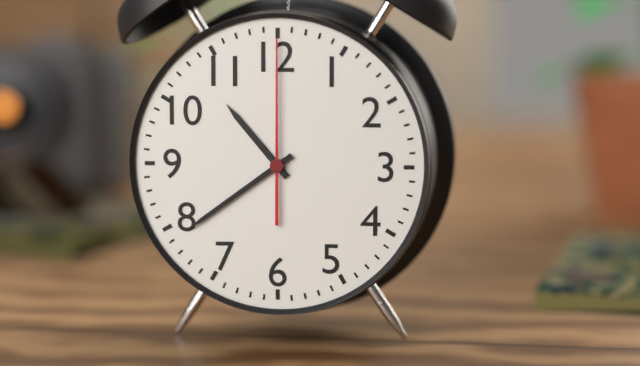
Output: 10h39m00s
